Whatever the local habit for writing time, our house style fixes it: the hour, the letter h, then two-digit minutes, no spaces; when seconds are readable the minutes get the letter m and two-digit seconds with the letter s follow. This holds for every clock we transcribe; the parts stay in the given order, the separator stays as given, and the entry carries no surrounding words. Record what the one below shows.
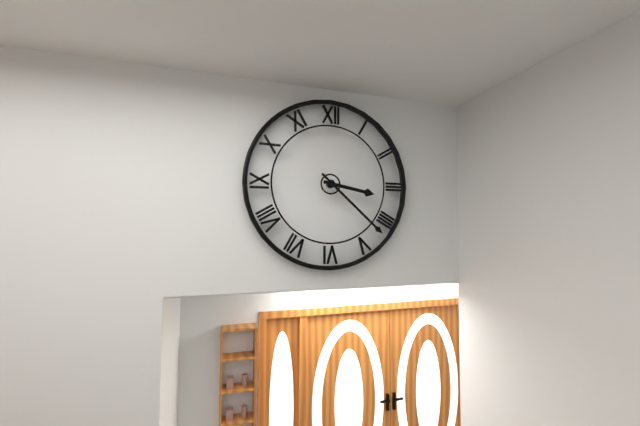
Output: 3h22
